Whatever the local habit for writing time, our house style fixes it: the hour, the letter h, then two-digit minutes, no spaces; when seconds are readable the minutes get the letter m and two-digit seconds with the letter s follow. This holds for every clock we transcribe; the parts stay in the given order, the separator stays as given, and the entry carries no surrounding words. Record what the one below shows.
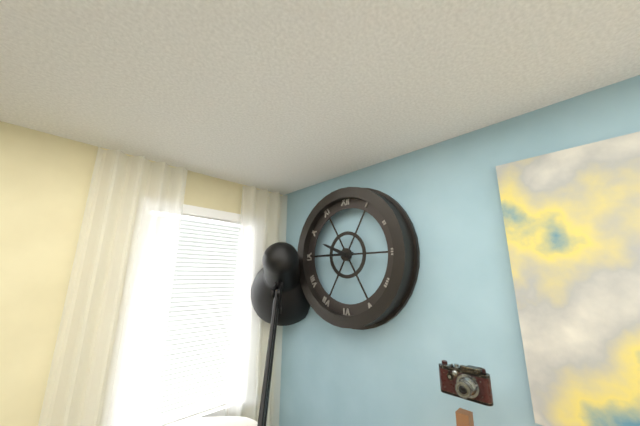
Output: 9h45
